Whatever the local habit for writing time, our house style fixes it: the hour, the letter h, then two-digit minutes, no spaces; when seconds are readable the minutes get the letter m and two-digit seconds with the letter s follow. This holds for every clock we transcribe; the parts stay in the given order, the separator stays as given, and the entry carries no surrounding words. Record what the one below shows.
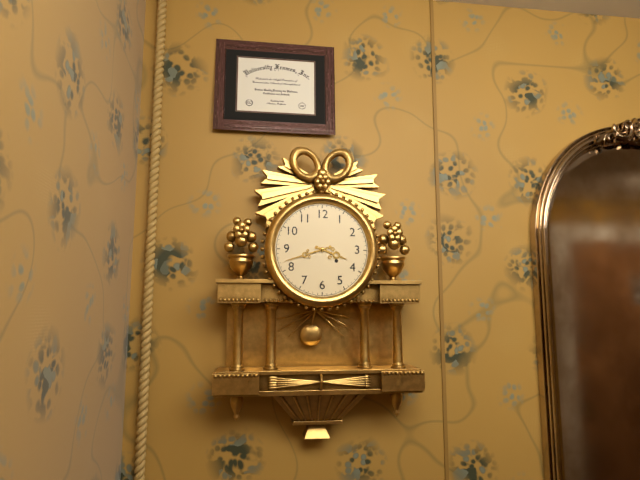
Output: 3h42
